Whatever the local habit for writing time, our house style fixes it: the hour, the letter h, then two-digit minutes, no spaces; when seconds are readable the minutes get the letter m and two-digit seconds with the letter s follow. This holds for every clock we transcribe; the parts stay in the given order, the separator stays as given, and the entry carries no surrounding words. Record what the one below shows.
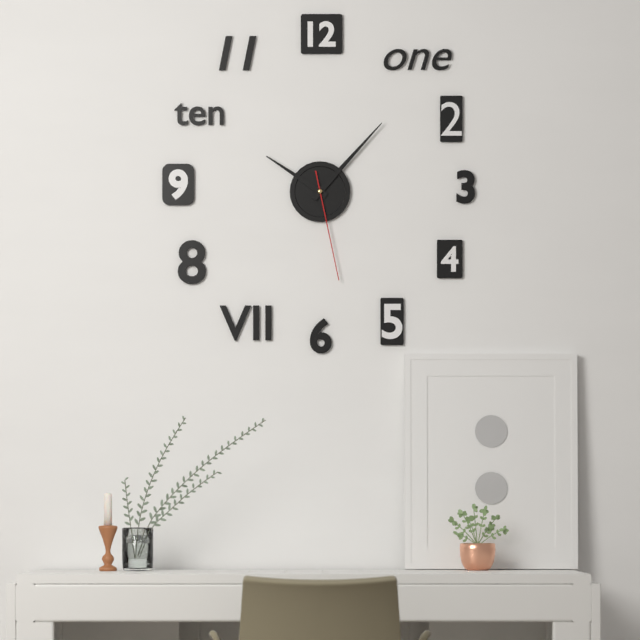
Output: 10h07m28s
